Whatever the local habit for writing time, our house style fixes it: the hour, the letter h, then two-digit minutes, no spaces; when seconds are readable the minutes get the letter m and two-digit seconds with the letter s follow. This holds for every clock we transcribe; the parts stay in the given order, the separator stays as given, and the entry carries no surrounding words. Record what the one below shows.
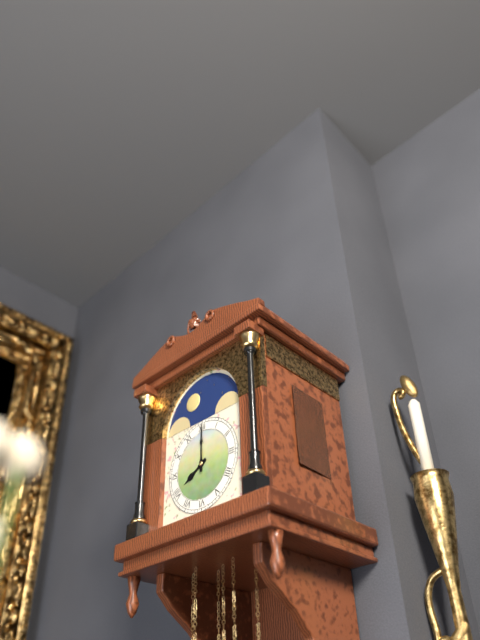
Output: 8h00
